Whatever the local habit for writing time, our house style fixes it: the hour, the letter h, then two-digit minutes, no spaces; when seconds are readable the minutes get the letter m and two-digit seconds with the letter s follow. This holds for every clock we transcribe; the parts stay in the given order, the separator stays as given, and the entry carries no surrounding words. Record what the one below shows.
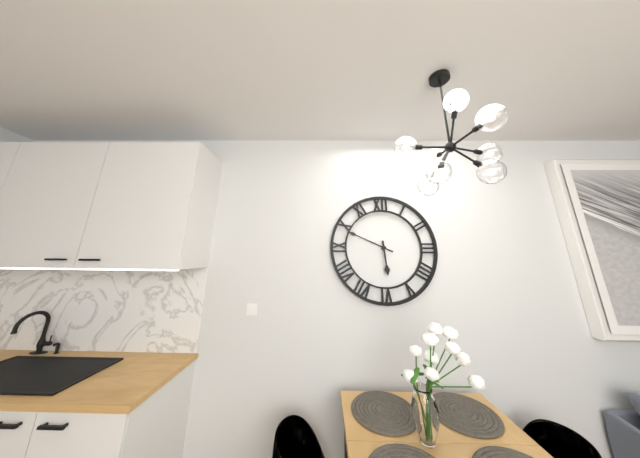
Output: 5h49
